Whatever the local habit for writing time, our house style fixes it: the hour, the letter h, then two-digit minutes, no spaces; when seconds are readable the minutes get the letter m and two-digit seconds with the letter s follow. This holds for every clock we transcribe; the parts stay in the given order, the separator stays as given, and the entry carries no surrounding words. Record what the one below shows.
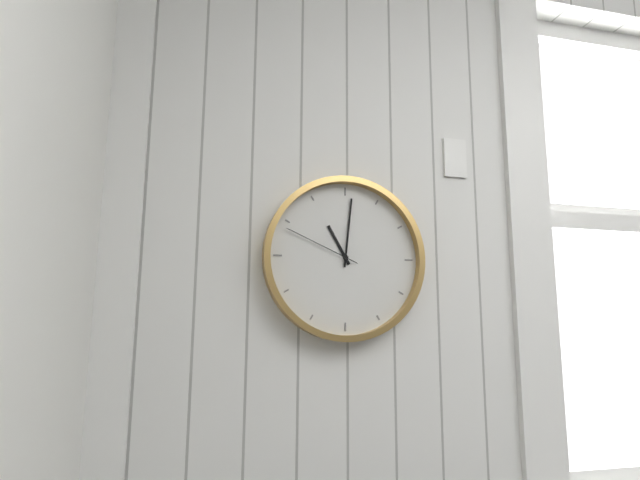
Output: 11h01m49s
